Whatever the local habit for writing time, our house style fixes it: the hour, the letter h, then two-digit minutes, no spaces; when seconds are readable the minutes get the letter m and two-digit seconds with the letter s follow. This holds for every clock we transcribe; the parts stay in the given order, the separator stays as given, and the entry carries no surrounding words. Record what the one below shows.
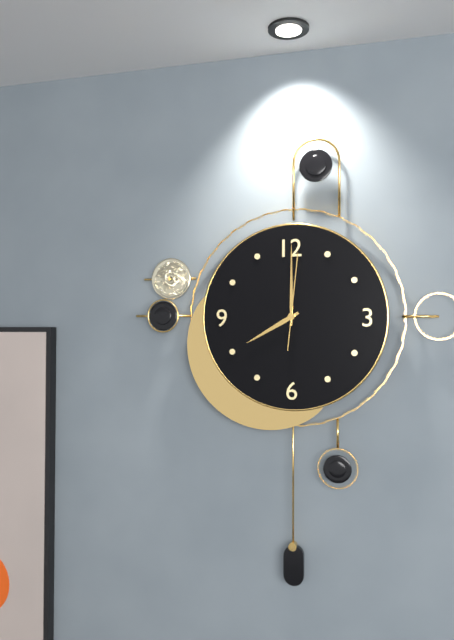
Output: 8h00m01s
